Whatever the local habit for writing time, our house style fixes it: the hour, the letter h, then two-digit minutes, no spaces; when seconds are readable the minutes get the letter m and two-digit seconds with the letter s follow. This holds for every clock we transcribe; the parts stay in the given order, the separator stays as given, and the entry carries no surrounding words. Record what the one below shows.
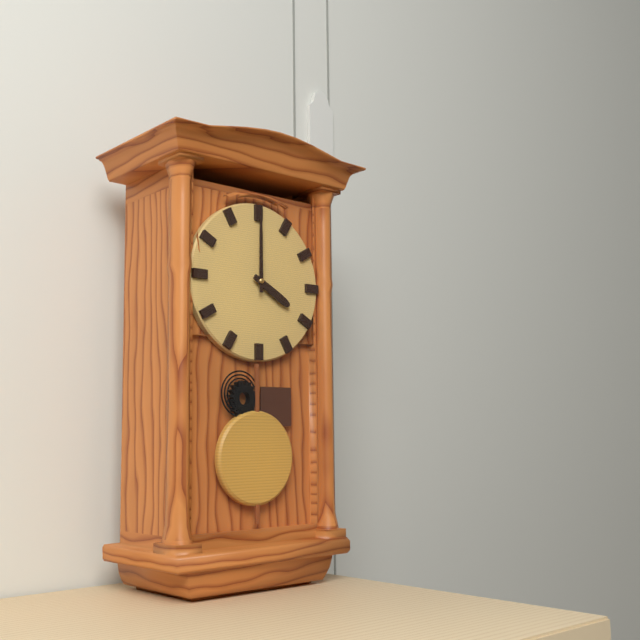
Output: 4h00
